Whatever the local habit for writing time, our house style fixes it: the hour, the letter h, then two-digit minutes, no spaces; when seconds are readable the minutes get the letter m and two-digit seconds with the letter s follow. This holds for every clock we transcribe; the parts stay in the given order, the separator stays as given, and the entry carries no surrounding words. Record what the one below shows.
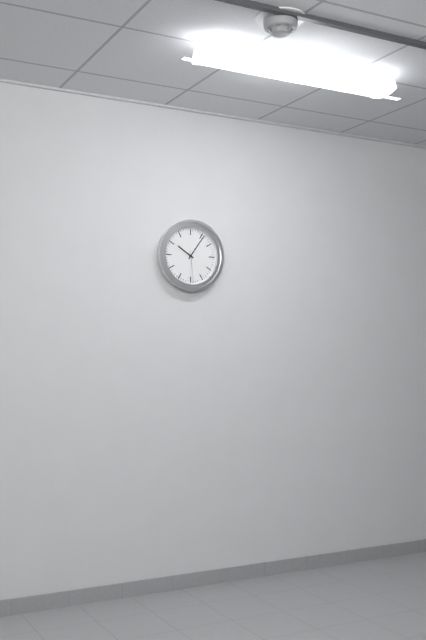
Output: 10h06
